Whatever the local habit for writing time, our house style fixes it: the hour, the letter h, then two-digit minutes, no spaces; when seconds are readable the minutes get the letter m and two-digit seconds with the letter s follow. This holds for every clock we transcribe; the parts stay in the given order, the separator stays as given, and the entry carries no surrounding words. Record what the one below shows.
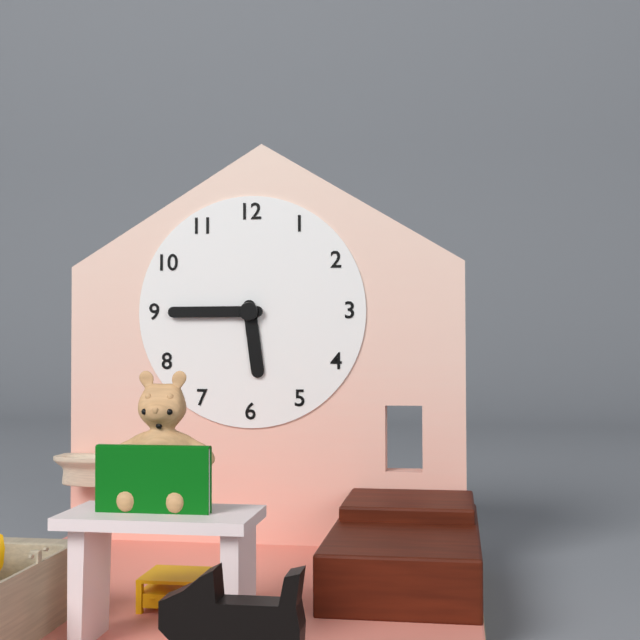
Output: 5h45
